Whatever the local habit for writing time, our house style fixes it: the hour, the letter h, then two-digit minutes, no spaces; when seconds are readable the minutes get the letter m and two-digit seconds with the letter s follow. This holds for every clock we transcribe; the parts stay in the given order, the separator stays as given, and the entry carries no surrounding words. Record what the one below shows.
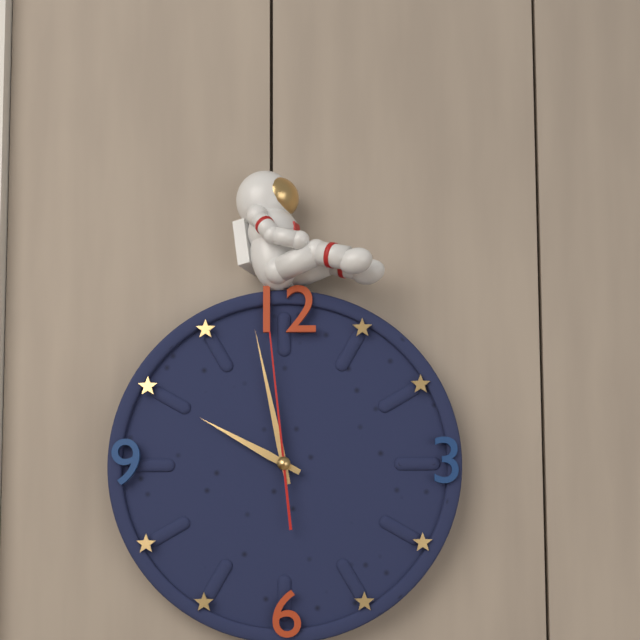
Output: 9h58m59s
